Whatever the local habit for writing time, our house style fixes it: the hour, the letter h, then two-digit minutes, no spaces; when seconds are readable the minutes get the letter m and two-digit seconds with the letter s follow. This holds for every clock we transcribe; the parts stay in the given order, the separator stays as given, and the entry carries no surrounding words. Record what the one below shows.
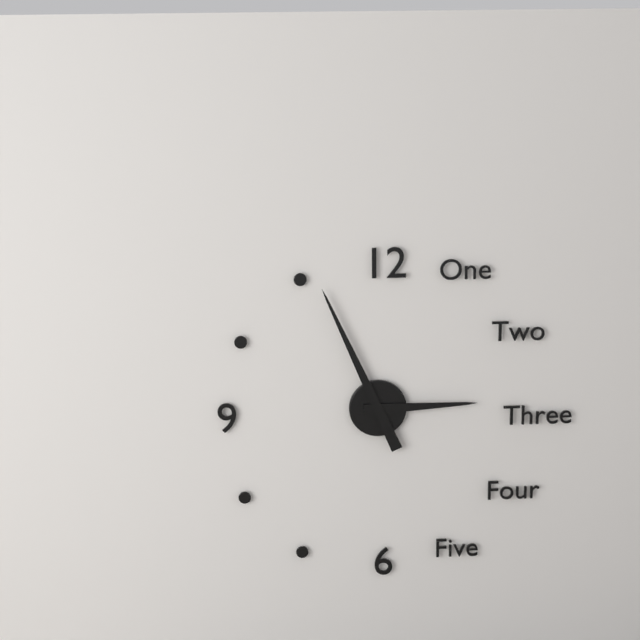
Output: 2h56
